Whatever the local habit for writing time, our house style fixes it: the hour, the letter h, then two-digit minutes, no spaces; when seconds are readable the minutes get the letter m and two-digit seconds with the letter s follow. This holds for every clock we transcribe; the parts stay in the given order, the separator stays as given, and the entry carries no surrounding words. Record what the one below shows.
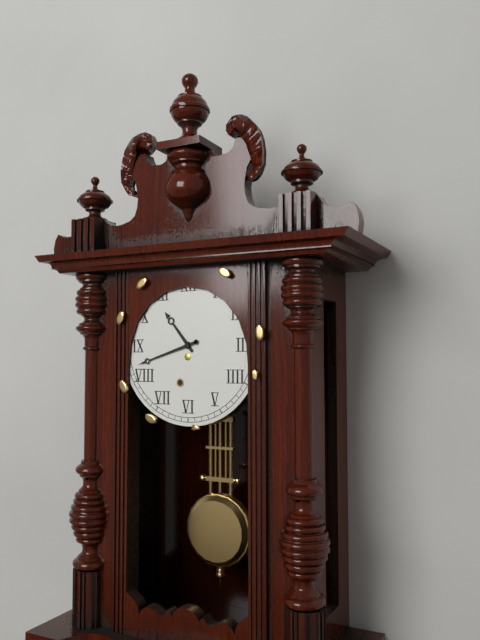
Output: 10h42
